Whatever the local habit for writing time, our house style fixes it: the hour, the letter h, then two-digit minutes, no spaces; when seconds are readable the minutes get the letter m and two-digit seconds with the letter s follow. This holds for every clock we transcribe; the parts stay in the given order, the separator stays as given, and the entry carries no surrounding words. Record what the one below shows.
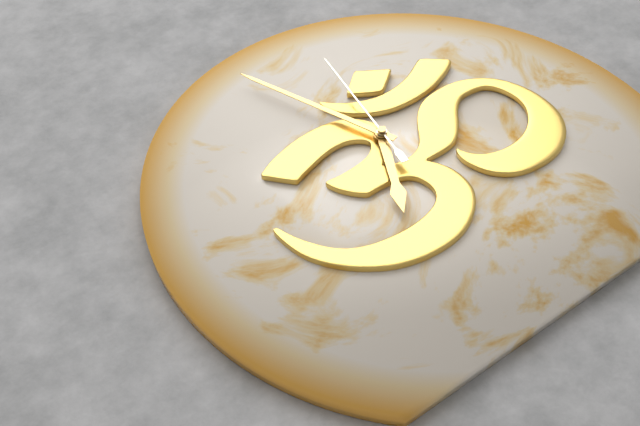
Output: 6h57m02s
